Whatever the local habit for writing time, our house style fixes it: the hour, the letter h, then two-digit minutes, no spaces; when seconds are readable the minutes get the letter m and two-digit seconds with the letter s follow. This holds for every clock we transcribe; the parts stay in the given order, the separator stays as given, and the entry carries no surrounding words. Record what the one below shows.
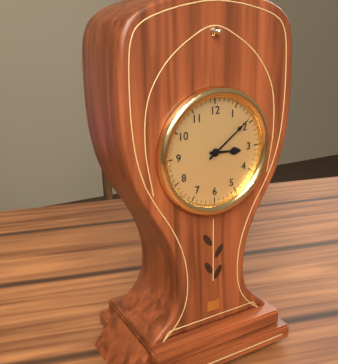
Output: 3h09
